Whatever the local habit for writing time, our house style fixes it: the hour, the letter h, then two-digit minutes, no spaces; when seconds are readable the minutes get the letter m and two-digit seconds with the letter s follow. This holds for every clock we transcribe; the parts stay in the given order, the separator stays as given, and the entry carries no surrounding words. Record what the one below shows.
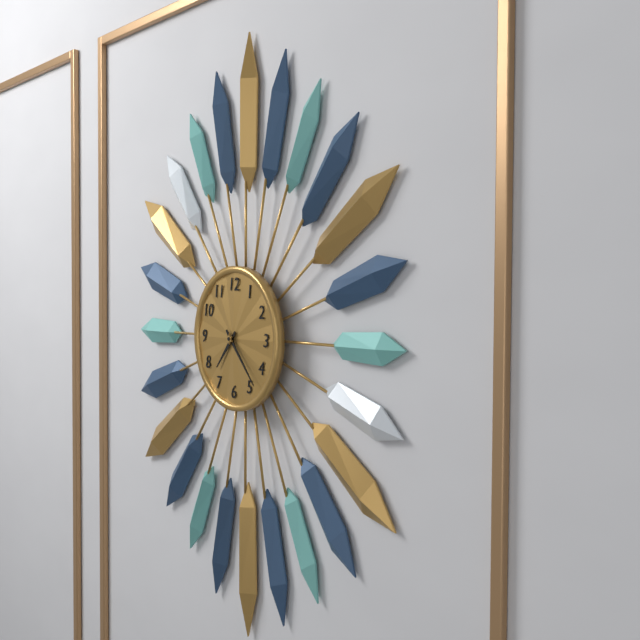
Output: 7h23
